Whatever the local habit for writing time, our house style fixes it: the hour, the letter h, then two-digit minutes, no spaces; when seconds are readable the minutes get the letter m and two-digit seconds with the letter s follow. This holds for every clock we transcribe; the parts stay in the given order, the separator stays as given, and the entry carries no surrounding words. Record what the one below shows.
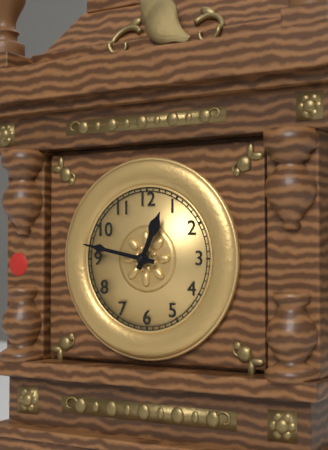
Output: 12h47
